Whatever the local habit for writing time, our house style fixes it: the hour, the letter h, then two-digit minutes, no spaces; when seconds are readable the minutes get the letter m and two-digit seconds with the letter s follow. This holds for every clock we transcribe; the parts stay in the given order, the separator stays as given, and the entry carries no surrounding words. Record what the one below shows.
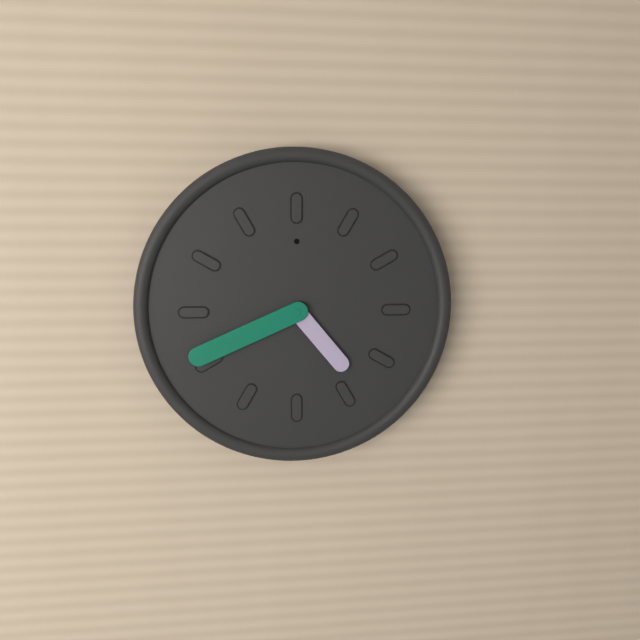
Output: 4h41
